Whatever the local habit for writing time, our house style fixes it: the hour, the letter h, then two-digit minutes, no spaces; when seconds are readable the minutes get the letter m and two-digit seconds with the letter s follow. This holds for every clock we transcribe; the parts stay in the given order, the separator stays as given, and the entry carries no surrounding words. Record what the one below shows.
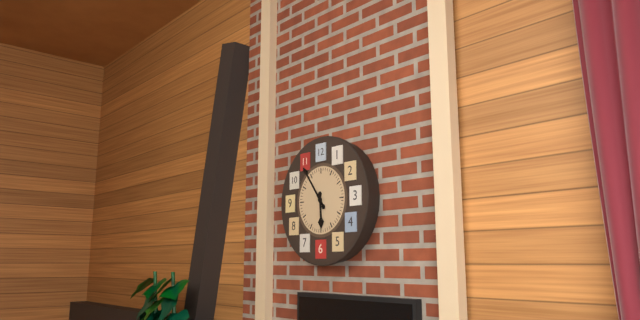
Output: 5h54
